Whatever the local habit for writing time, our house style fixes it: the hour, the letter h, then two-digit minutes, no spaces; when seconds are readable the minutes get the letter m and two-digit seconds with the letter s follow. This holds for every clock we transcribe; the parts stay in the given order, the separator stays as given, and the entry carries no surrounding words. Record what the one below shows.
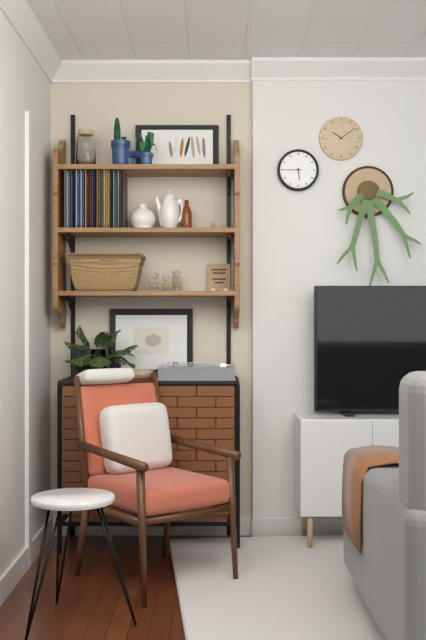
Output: 5h45
